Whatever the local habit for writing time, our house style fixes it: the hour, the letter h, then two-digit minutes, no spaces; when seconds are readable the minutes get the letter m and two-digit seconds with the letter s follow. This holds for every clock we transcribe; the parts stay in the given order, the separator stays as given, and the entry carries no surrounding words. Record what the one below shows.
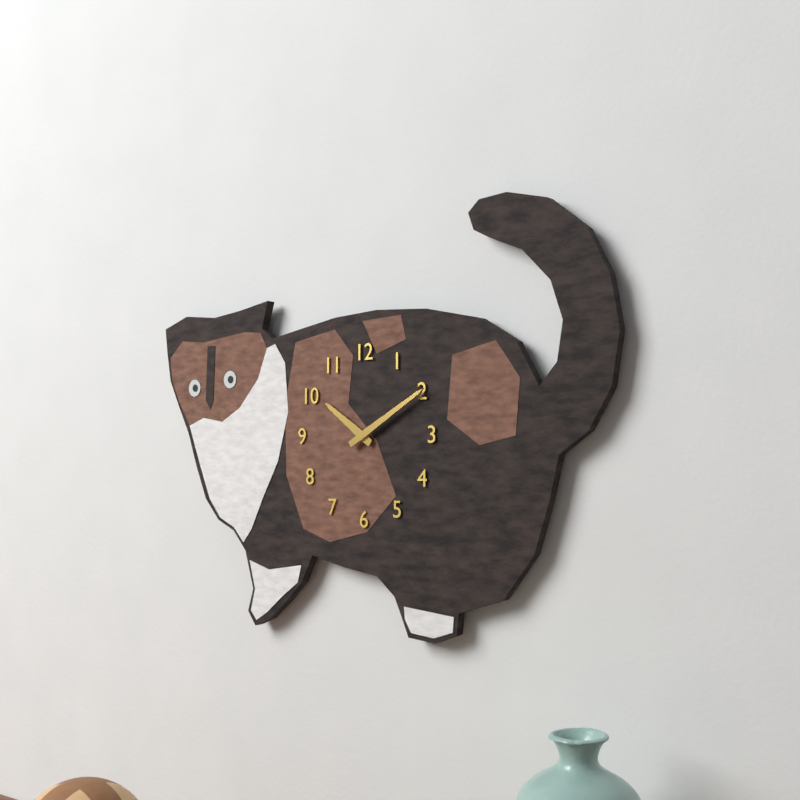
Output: 10h10
